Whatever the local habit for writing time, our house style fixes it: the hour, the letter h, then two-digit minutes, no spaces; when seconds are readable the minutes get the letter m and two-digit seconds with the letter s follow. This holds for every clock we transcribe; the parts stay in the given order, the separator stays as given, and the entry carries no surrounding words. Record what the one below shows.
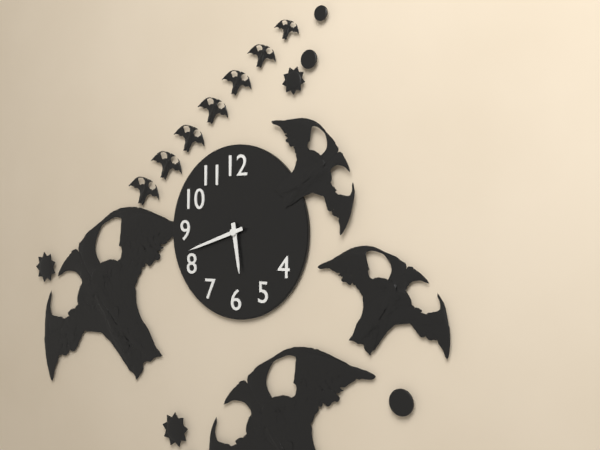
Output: 5h42
